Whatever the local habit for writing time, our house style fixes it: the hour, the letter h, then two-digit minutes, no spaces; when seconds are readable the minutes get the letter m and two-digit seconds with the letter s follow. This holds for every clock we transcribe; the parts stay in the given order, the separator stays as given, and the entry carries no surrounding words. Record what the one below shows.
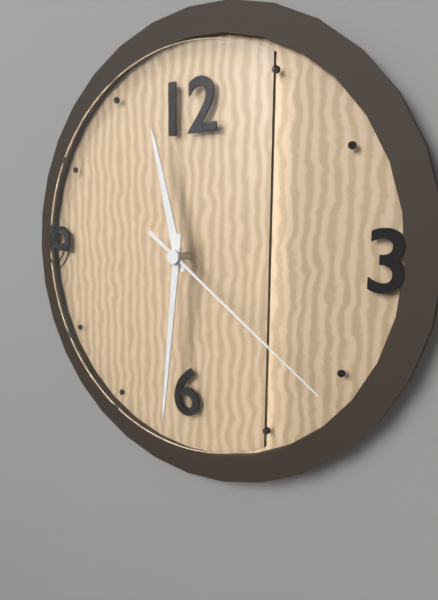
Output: 11h31m21s
